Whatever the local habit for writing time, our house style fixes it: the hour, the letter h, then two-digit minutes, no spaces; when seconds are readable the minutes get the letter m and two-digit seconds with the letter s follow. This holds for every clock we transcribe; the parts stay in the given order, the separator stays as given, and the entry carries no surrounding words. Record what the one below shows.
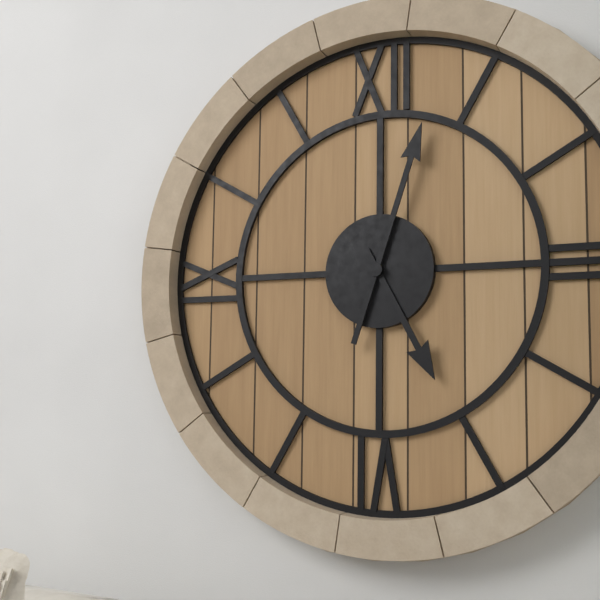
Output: 5h03
